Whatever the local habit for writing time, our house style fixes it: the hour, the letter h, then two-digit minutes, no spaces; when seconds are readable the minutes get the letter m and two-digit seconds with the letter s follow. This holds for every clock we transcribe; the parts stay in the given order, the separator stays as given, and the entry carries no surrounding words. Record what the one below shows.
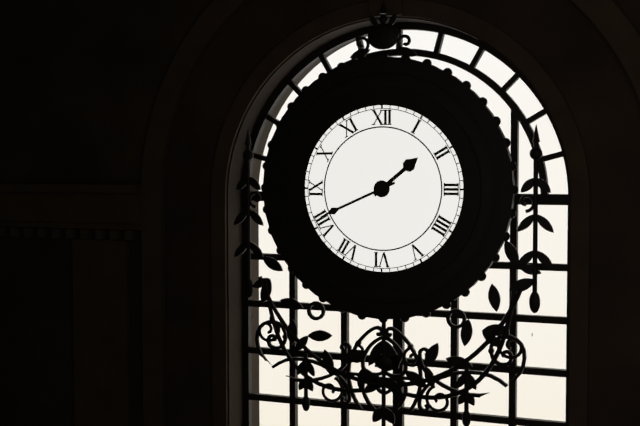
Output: 1h41
